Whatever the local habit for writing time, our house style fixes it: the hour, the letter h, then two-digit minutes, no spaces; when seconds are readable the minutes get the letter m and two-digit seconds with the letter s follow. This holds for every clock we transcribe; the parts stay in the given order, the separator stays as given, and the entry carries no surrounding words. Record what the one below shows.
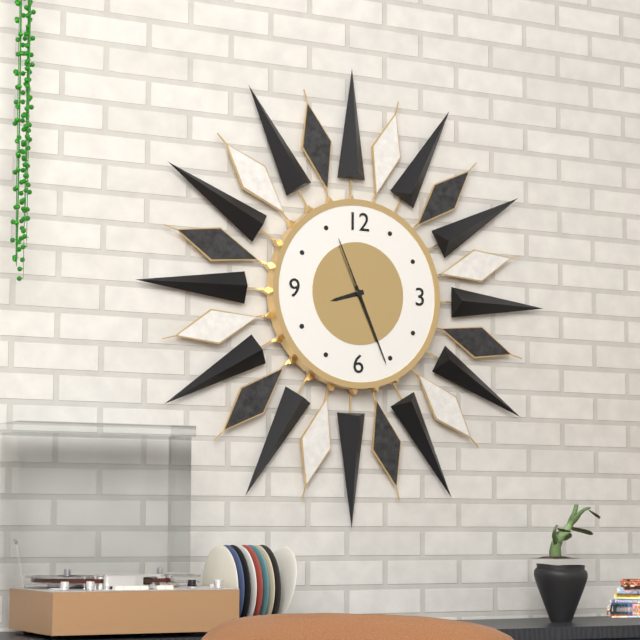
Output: 8h26m56s
